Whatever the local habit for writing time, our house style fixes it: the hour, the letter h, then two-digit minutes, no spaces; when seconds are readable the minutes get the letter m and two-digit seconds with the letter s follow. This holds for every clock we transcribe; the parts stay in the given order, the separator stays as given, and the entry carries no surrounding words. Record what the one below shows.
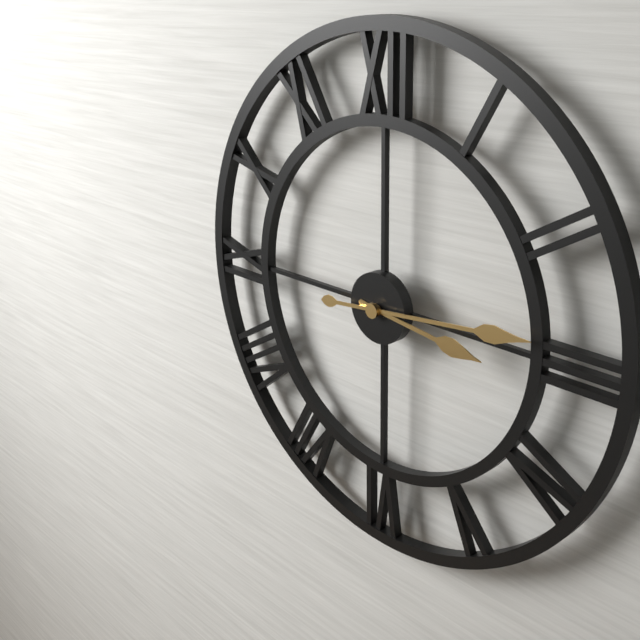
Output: 3h14
